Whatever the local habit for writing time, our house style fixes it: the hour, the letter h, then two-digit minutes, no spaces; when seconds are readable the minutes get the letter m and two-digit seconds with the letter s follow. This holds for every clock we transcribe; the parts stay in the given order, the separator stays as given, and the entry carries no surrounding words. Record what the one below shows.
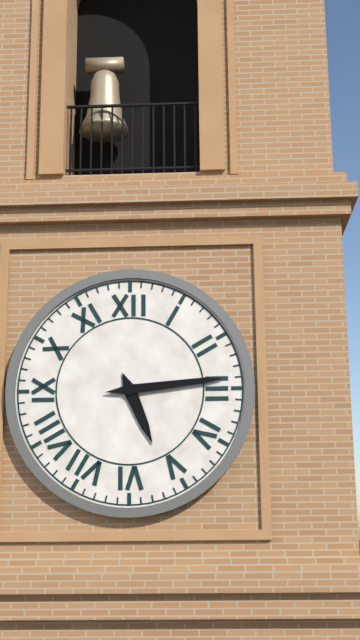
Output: 5h14
